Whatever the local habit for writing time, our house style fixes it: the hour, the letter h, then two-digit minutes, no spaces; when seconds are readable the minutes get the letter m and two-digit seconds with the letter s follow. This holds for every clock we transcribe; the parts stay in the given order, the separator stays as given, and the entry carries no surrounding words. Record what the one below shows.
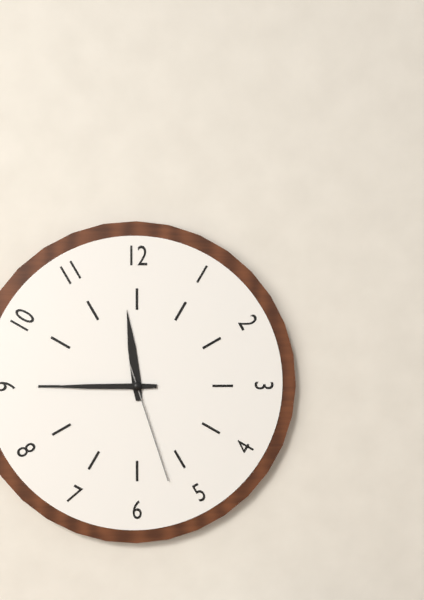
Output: 11h45m27s
